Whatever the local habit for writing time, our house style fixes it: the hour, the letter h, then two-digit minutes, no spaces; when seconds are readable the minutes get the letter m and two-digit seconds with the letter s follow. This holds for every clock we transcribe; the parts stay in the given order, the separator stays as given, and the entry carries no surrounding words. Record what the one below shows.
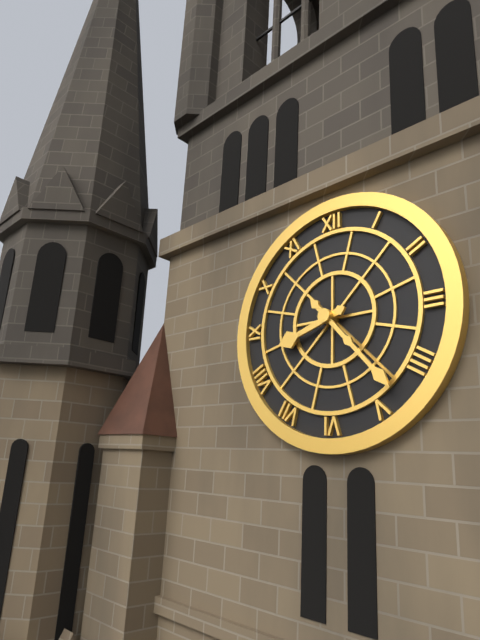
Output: 8h23
